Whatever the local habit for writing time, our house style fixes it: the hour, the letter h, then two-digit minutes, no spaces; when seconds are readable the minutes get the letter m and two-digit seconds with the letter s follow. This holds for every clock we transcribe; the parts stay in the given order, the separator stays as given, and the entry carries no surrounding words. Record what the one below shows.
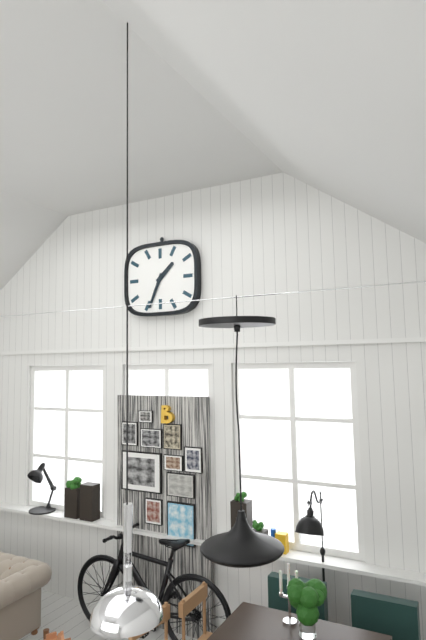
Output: 1h34
